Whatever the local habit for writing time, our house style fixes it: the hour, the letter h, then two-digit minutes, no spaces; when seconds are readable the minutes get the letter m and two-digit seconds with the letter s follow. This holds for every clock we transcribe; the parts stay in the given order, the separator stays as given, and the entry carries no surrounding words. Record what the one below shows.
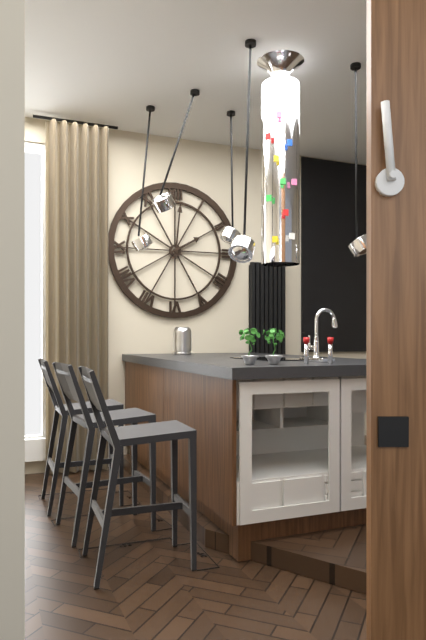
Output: 2h01
